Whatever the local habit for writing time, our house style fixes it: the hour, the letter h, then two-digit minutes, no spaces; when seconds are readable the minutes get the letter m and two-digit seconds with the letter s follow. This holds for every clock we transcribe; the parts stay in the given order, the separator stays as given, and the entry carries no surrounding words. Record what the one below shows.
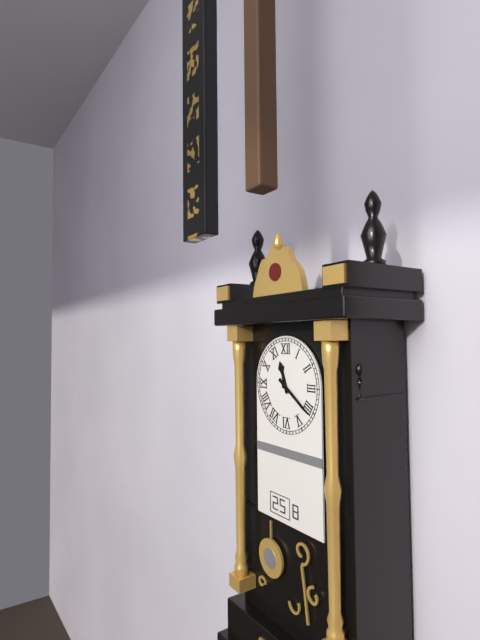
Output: 11h21
